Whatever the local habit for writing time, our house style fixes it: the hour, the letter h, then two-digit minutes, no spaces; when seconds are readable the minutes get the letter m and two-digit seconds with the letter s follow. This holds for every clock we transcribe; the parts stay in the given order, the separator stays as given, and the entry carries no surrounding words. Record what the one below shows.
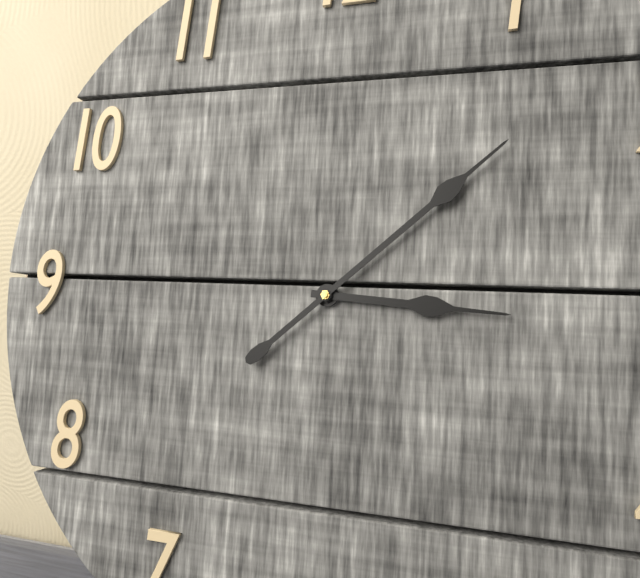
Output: 3h08
